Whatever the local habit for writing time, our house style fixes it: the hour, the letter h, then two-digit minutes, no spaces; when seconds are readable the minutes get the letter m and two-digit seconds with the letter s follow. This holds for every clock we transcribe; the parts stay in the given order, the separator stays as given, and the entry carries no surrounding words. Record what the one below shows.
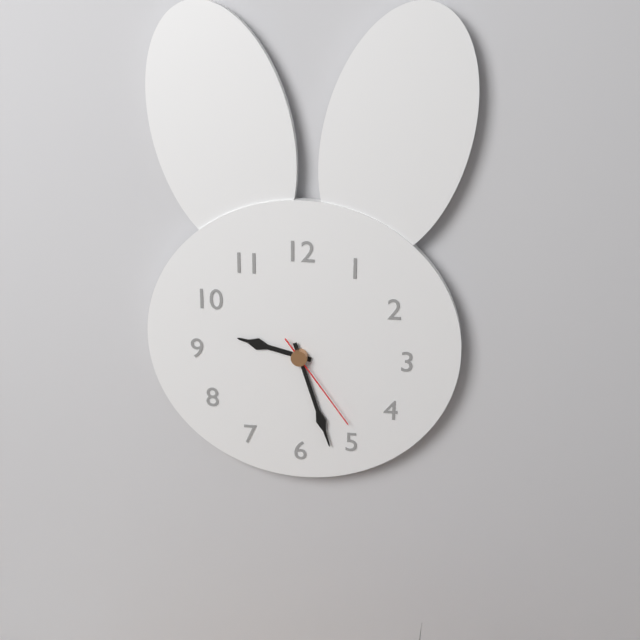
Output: 9h27m24s
